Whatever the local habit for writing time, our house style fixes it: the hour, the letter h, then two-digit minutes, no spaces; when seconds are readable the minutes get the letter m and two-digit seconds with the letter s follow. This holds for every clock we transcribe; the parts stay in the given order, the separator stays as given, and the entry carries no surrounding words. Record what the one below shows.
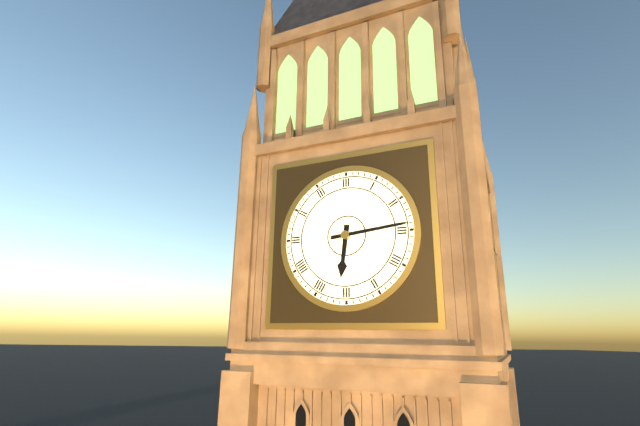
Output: 6h14
